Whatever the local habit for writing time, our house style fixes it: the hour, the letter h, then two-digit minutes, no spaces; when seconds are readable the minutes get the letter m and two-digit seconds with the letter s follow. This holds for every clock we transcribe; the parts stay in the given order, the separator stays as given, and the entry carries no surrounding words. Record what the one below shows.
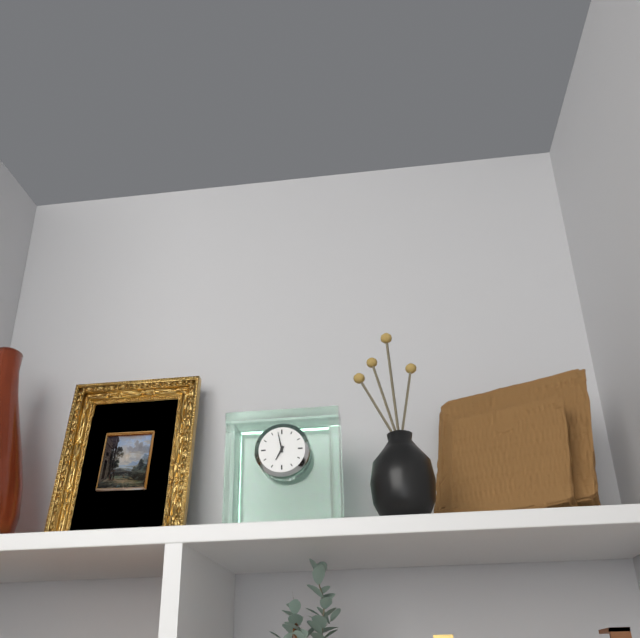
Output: 6h58
